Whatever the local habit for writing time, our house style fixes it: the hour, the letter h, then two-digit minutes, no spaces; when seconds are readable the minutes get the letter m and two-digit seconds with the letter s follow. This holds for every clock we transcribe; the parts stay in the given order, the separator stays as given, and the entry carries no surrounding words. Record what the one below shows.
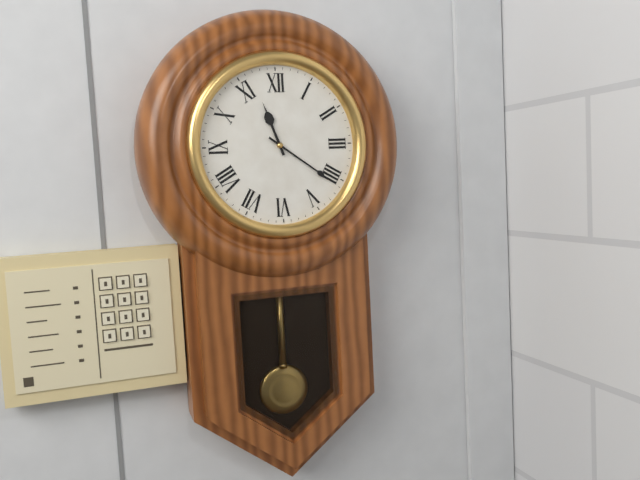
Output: 11h21
